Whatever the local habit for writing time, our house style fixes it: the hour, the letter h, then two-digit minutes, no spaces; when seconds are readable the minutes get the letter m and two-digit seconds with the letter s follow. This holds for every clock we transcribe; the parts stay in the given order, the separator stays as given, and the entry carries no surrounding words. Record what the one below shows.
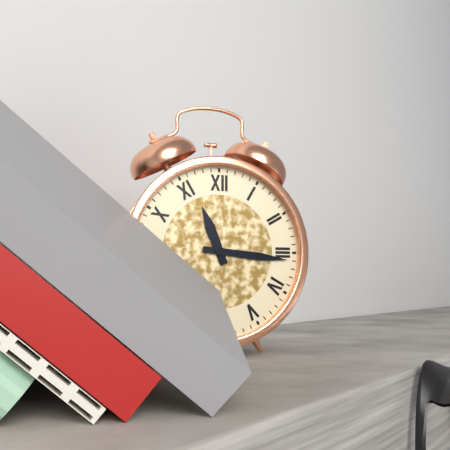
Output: 11h16
